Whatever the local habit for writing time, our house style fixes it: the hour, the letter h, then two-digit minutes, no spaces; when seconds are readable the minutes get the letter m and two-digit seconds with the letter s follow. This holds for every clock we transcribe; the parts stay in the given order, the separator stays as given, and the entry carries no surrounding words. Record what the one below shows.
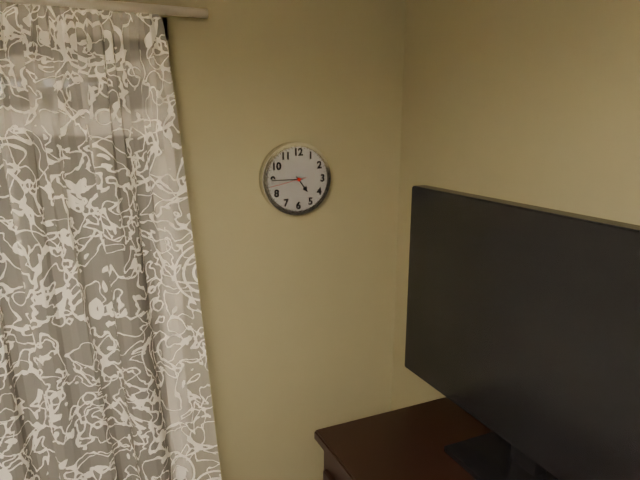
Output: 4h45
